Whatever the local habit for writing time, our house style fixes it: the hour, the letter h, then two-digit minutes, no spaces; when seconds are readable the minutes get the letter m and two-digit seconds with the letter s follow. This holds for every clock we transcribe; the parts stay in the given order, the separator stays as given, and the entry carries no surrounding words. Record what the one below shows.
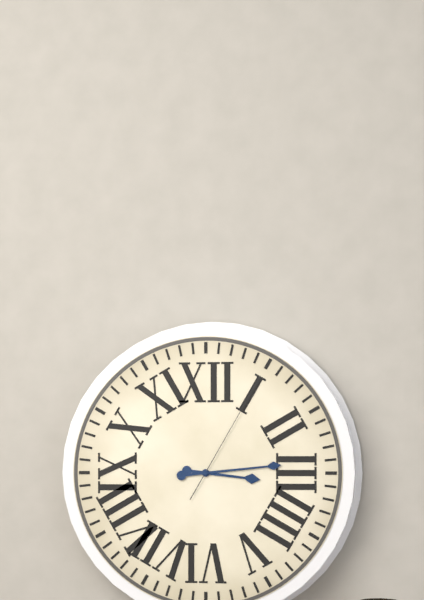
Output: 3h14m05s
